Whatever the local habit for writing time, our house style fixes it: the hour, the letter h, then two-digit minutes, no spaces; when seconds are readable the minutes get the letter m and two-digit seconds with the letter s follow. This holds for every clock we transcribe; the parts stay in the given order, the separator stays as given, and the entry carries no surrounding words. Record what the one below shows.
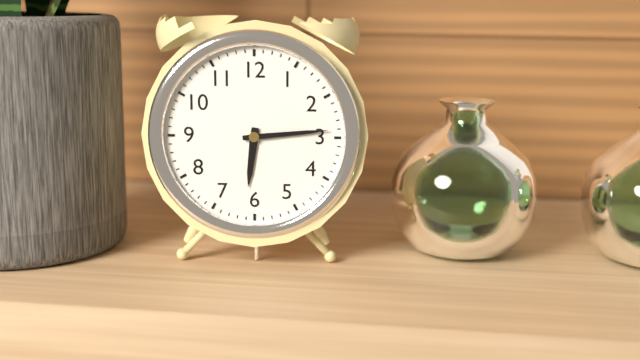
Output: 6h14
